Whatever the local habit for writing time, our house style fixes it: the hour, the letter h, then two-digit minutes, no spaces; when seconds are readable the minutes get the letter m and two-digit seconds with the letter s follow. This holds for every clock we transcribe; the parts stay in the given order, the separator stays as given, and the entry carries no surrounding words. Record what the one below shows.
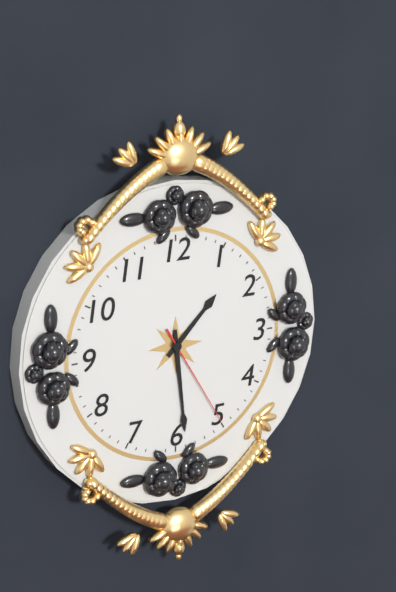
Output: 1h29m25s
